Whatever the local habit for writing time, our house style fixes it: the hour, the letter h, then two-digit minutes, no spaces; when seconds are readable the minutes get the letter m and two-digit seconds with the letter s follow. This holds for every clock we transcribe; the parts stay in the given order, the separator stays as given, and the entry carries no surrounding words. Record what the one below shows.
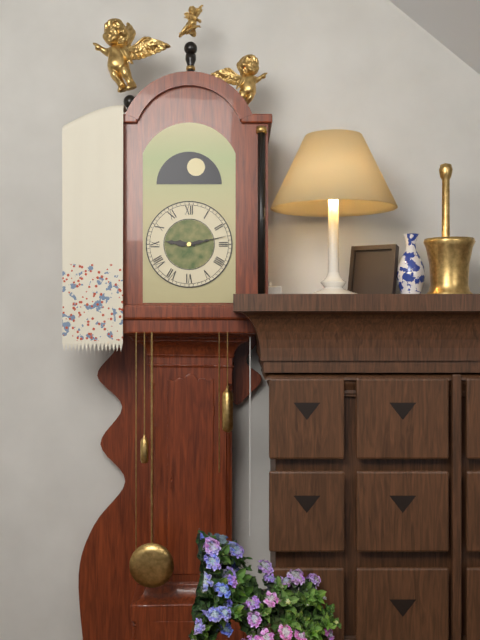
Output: 9h13
